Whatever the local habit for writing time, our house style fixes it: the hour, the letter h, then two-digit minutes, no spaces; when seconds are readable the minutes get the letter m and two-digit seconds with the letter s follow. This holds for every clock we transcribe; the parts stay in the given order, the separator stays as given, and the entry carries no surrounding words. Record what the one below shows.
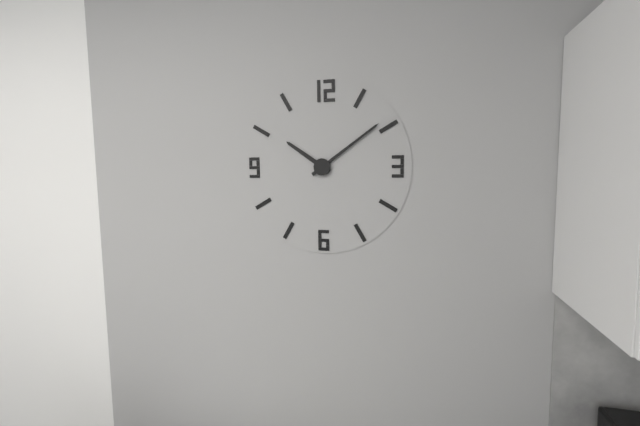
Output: 10h09
